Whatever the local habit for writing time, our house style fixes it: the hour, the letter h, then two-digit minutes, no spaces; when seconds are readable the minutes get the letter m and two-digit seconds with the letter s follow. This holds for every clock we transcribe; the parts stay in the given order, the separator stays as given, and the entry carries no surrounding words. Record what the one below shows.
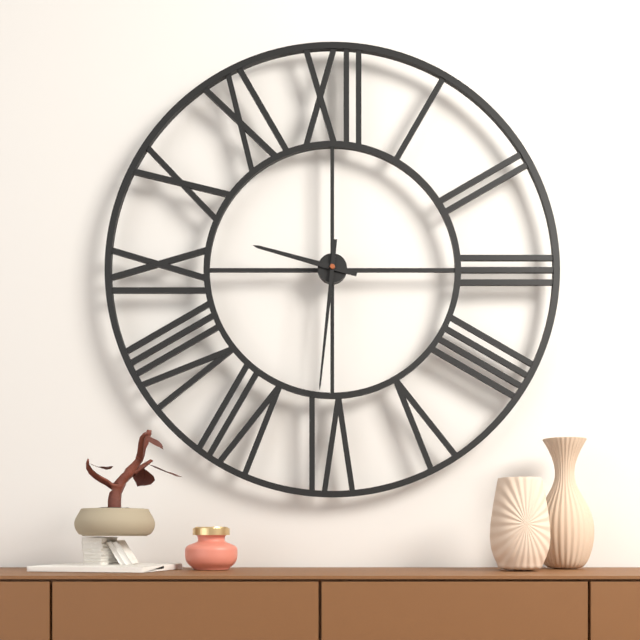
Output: 9h31
